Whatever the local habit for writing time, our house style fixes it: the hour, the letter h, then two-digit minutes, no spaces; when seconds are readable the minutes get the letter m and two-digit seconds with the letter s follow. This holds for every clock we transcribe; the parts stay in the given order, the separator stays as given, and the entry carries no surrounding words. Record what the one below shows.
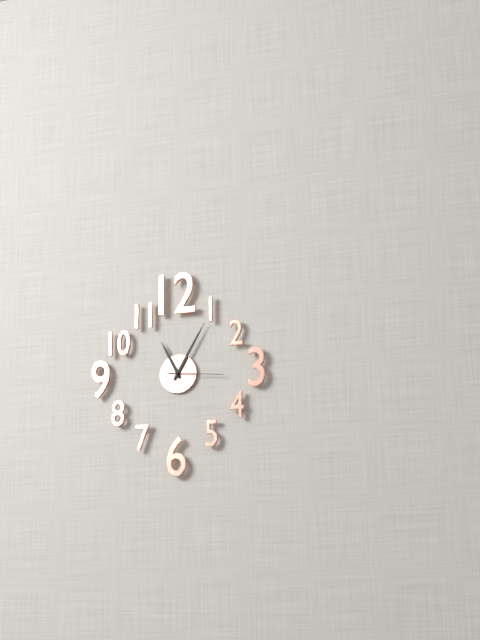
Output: 11h05m16s
